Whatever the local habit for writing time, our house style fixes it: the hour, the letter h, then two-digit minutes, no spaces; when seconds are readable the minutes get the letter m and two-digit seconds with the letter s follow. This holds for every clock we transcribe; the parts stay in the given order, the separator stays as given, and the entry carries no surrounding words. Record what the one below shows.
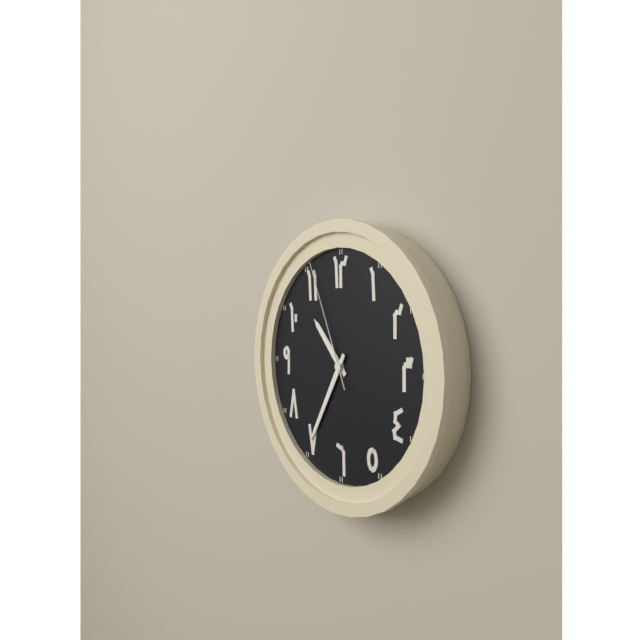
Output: 10h35m56s
